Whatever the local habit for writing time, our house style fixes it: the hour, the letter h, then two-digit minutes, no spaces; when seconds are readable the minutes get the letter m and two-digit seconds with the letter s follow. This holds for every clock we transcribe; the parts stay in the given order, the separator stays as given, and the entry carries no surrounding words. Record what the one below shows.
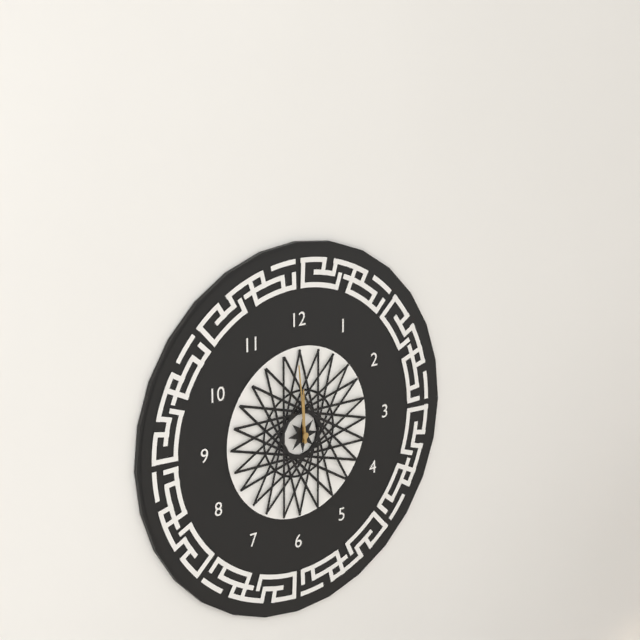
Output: 11h59
